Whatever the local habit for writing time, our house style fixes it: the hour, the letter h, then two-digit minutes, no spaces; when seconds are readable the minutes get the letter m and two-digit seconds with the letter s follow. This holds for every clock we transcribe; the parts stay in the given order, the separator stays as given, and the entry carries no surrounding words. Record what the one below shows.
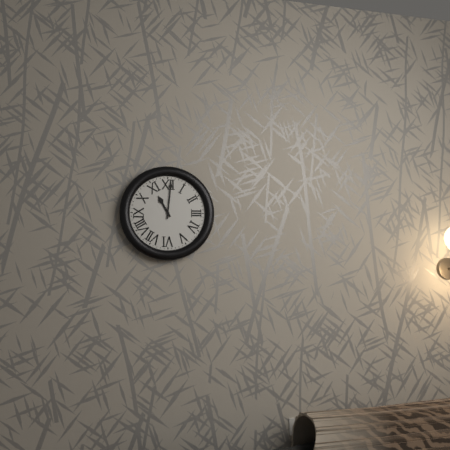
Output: 11h01
